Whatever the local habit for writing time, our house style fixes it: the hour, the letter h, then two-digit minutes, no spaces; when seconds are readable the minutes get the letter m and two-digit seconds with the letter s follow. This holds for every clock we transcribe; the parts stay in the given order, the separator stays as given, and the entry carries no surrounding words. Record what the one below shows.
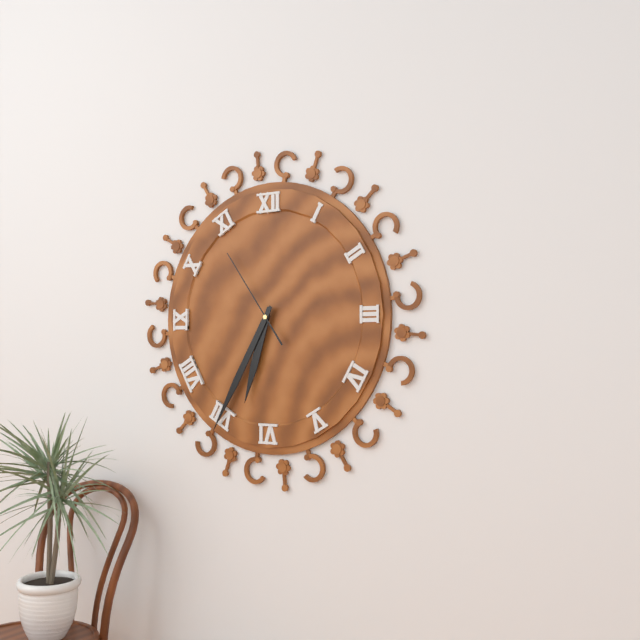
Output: 6h35m54s
